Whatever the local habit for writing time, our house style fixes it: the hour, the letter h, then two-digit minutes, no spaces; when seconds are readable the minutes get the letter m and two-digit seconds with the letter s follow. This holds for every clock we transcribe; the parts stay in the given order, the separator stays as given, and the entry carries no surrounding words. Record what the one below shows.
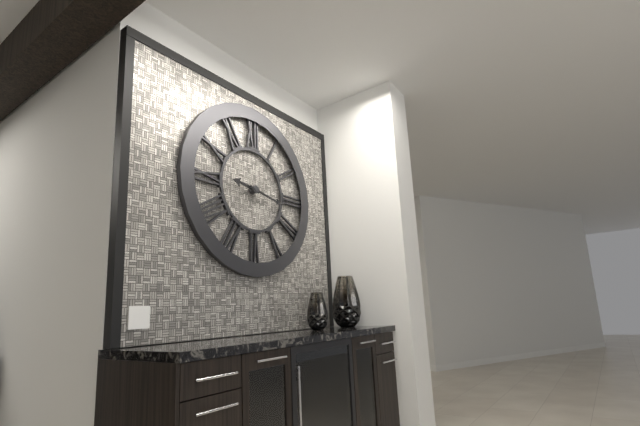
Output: 9h17
